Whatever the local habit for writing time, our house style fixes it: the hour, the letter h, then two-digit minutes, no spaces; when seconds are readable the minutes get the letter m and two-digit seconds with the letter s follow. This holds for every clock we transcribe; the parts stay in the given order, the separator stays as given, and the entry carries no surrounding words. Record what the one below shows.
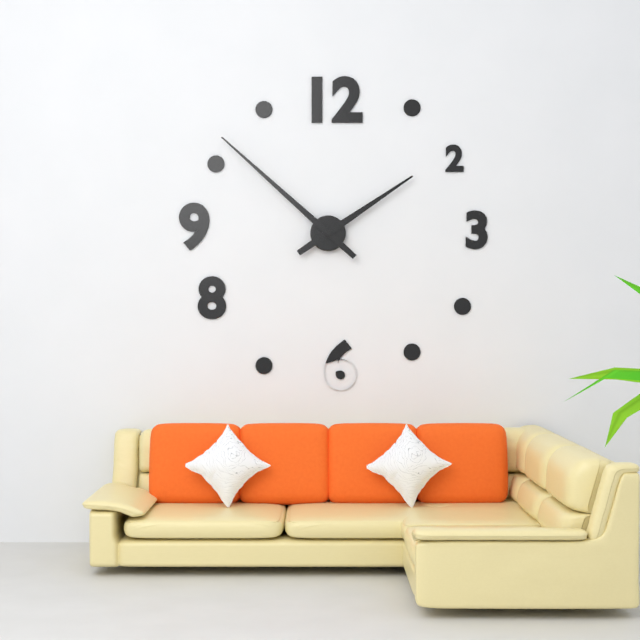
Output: 1h52
